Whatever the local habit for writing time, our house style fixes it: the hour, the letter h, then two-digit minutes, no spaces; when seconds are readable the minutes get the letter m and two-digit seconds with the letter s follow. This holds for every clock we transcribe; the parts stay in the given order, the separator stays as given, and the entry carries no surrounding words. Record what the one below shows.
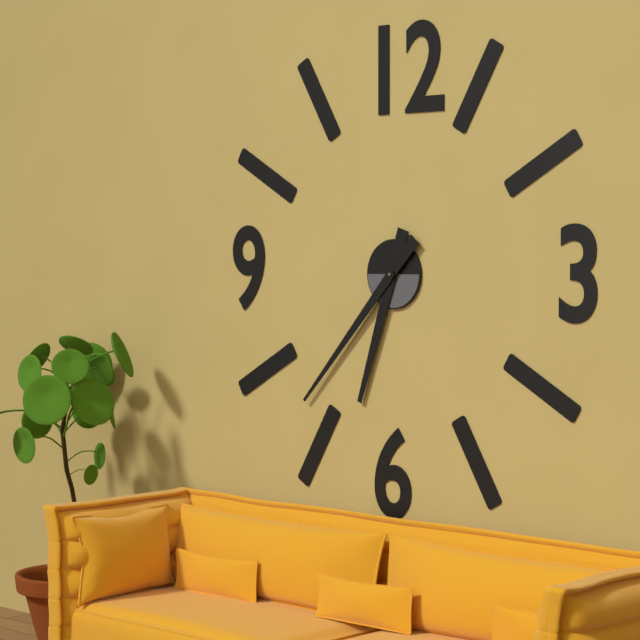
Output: 6h37
